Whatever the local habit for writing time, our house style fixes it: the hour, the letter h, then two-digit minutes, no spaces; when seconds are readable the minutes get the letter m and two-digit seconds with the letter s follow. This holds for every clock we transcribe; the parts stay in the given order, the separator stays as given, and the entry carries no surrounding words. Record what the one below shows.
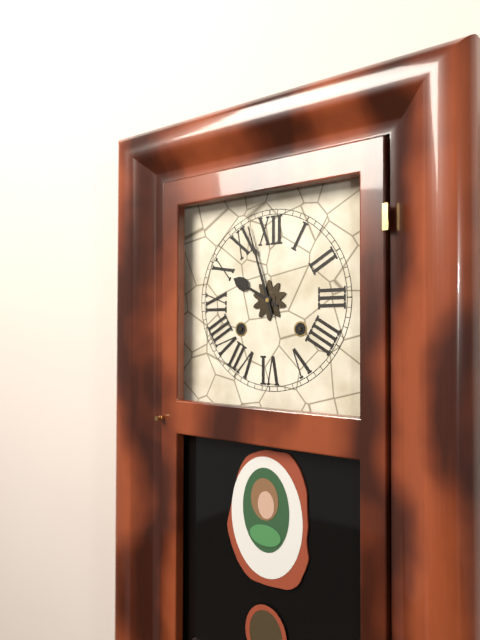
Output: 9h57
